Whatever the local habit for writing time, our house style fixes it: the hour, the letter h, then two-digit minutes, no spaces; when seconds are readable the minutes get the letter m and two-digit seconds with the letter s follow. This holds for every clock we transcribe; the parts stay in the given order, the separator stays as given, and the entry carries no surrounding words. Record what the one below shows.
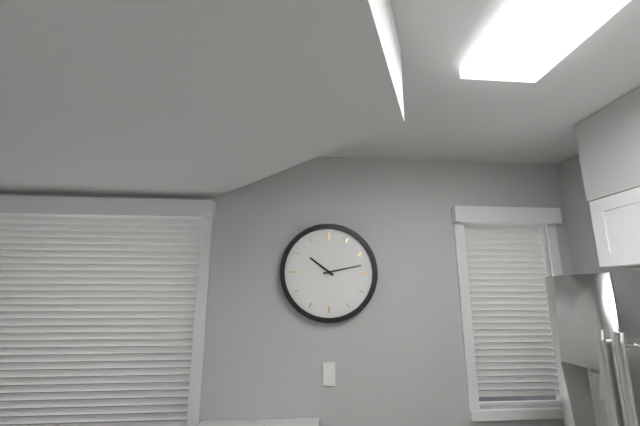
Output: 10h13
